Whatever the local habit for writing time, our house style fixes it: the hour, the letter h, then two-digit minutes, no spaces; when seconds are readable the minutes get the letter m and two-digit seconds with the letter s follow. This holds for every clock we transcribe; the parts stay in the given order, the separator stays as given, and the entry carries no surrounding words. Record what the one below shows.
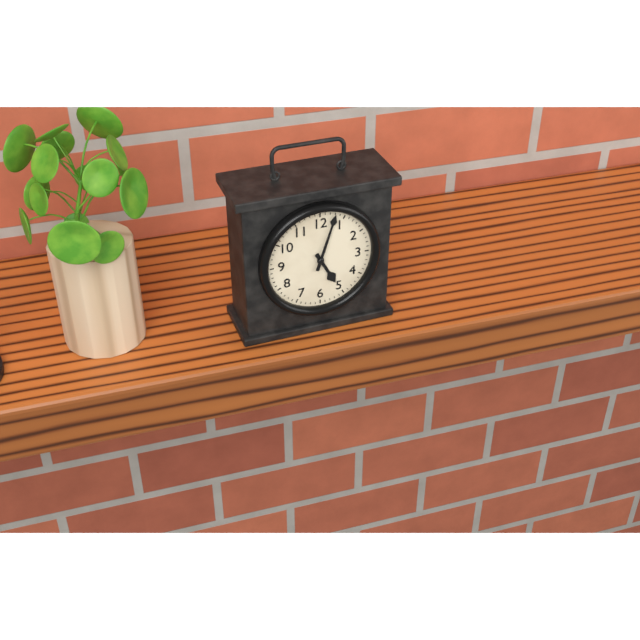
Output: 5h03
